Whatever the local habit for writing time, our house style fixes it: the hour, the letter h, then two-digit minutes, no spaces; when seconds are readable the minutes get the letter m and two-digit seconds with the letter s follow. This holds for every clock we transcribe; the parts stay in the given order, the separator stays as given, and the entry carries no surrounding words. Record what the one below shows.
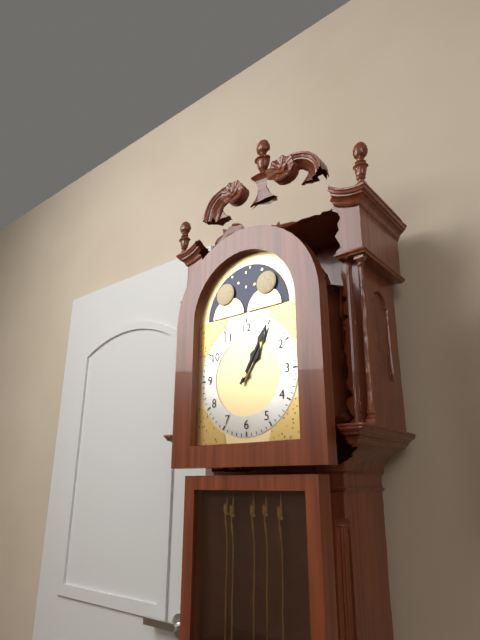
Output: 1h05
